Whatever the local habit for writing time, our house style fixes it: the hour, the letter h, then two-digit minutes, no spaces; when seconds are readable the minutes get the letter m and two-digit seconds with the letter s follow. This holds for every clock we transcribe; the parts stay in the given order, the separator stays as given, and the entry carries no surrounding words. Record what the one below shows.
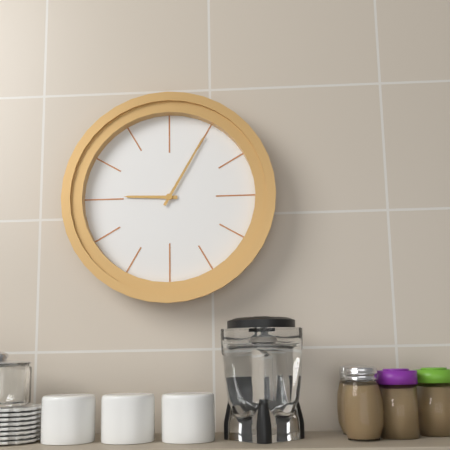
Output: 9h05
